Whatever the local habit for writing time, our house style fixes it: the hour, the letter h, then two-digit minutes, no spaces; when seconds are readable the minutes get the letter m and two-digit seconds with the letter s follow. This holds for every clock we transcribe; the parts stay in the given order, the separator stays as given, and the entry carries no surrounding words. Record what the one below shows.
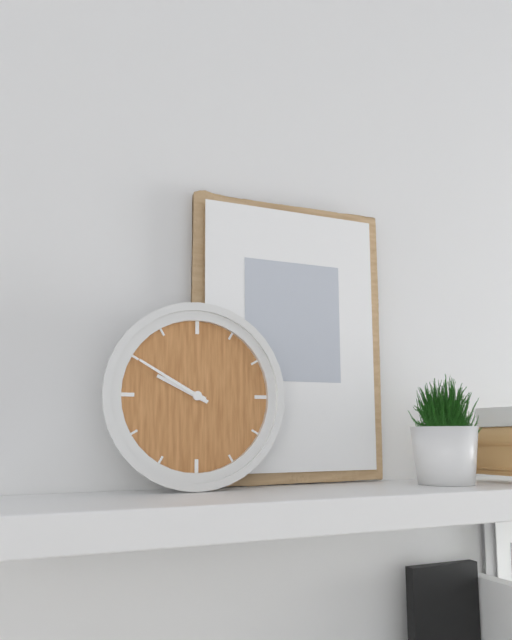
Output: 9h50
